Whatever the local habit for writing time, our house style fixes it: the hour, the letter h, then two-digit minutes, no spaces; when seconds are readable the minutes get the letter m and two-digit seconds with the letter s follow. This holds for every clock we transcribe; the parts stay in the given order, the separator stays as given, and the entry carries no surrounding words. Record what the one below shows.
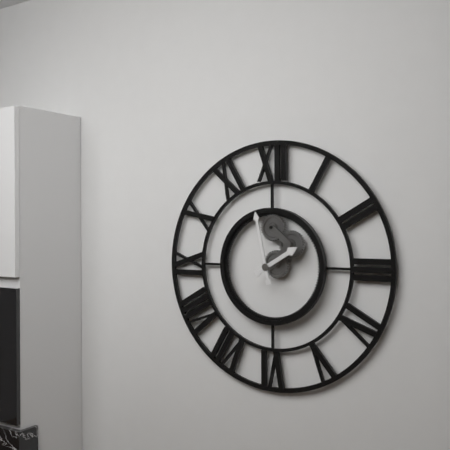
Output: 1h58
